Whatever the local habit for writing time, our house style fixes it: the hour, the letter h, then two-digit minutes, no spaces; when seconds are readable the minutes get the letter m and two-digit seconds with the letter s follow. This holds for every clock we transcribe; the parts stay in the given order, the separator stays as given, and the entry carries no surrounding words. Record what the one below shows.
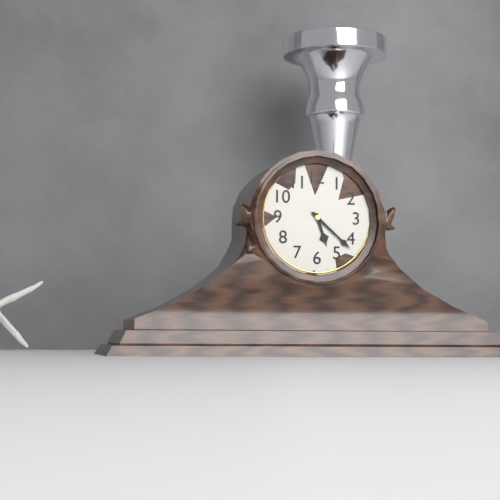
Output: 5h22
